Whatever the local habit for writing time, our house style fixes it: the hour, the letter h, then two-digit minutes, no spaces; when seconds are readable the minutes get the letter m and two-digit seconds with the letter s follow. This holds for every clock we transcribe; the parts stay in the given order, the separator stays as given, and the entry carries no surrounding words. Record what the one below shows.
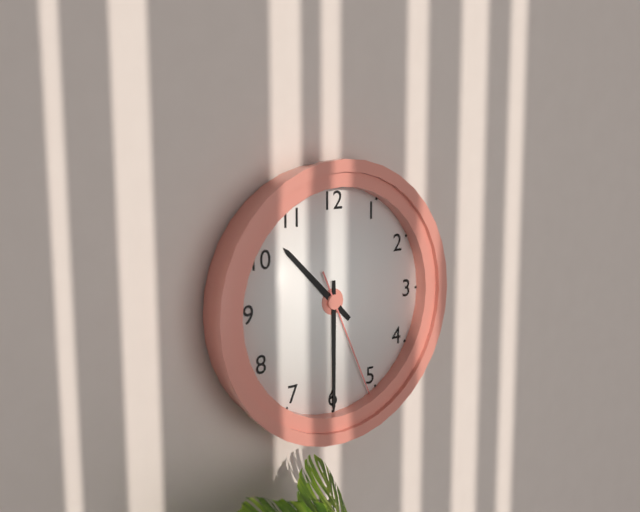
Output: 10h30m26s
